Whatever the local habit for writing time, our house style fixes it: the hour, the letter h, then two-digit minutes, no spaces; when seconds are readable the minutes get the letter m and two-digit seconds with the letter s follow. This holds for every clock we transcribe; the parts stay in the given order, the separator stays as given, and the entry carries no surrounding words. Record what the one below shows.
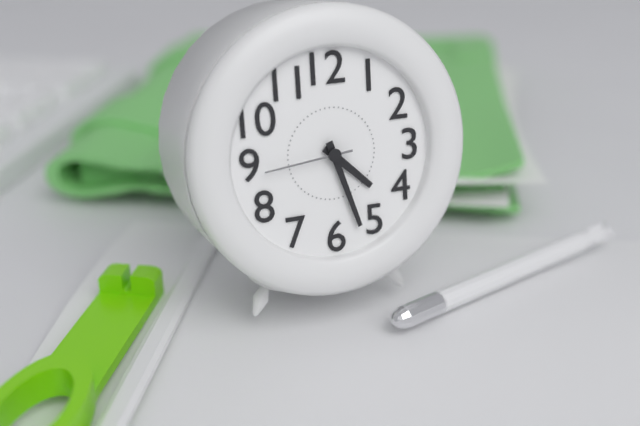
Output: 4h27m44s
